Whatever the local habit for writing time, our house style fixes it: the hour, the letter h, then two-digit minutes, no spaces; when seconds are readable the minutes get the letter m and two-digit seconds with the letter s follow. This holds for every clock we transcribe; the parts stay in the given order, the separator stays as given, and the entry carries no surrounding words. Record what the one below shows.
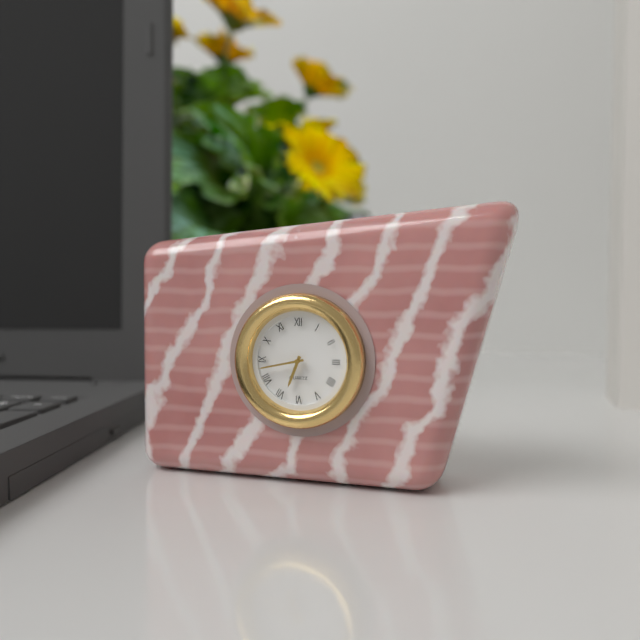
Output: 6h43
